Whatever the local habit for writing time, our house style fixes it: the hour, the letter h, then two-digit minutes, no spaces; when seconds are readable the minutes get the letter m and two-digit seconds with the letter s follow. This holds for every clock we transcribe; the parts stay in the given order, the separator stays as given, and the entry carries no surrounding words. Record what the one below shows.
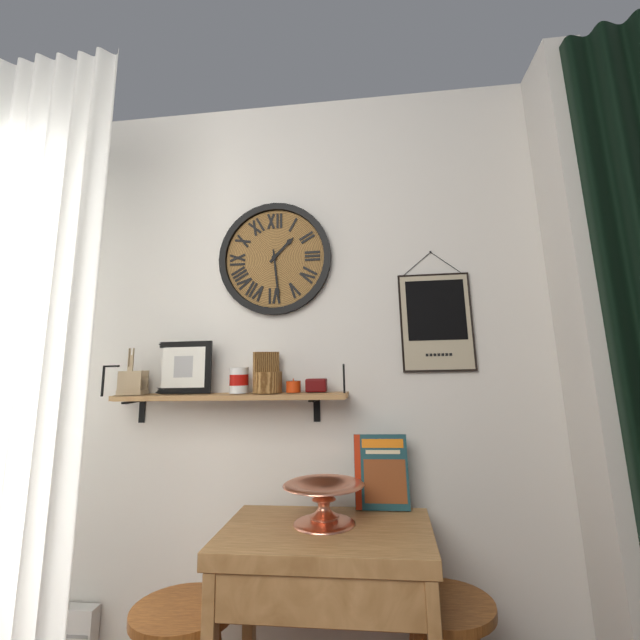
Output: 1h29
